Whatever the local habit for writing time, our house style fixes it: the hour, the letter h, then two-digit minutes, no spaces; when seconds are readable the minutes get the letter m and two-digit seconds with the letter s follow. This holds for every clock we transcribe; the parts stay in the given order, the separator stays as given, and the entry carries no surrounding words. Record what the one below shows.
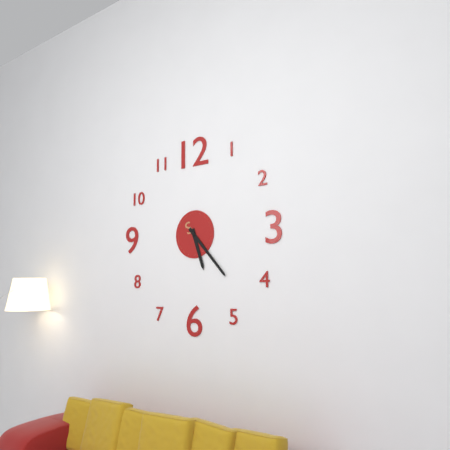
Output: 5h23
